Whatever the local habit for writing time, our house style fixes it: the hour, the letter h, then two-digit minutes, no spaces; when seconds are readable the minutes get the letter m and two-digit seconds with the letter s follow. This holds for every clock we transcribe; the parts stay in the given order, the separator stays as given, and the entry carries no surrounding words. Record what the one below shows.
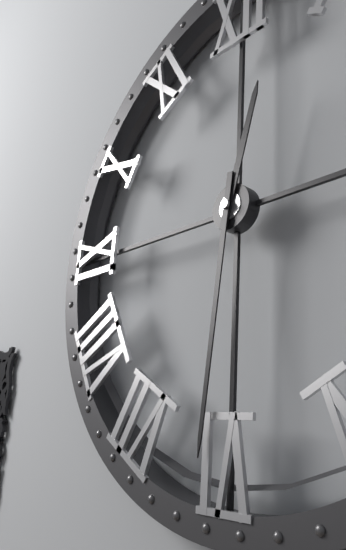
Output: 12h31
